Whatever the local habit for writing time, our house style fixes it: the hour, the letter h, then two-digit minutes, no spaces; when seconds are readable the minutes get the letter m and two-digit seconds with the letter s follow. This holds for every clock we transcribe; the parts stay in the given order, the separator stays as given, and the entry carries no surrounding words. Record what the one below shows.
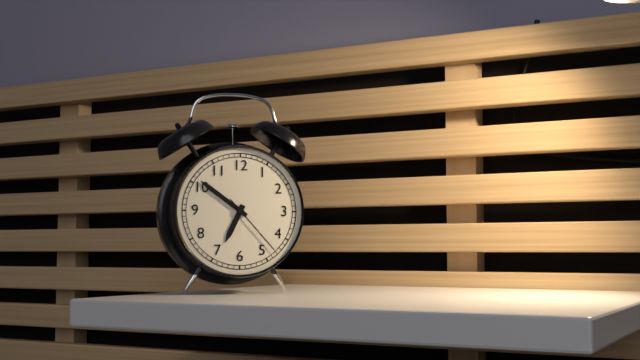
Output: 6h51m23s
